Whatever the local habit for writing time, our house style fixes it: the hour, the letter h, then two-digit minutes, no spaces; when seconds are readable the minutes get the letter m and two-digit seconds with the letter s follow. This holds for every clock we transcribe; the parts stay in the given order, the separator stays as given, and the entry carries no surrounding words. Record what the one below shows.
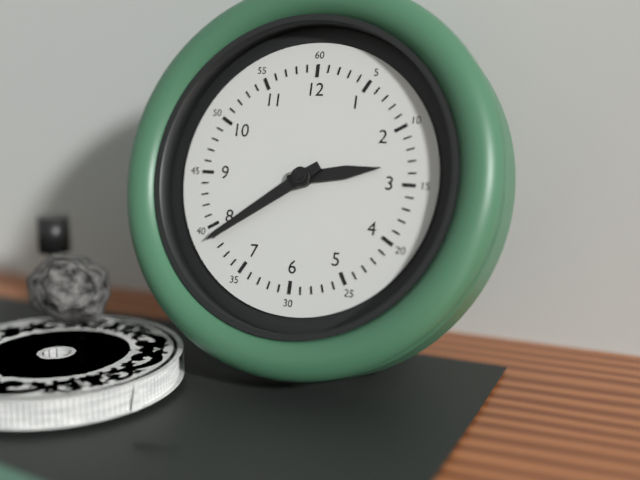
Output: 2h39
